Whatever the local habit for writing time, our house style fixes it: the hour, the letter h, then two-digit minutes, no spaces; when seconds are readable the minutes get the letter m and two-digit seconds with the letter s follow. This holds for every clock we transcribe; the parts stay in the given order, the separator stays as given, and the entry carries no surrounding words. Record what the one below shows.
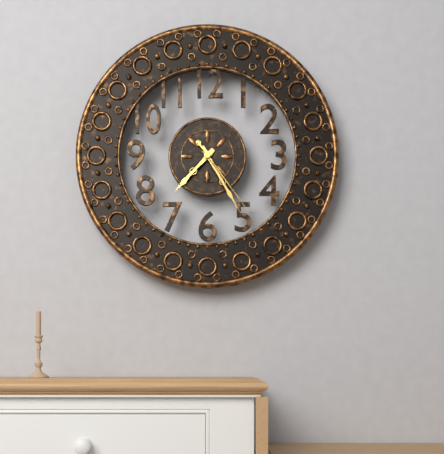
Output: 7h25m24s
